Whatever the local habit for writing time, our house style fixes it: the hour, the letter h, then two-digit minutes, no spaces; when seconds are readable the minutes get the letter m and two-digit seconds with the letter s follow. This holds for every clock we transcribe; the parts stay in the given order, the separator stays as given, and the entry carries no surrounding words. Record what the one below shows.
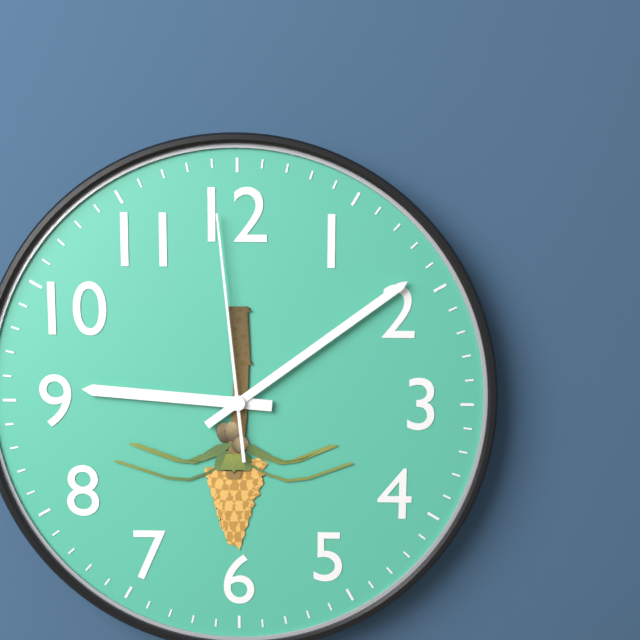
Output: 9h09m59s
